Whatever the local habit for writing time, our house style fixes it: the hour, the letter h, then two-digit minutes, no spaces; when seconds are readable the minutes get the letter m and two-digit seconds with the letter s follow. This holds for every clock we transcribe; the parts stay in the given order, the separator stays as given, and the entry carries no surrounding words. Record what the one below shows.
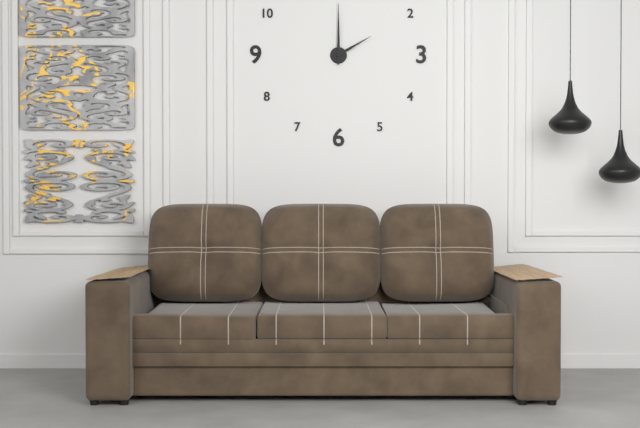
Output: 2h00
